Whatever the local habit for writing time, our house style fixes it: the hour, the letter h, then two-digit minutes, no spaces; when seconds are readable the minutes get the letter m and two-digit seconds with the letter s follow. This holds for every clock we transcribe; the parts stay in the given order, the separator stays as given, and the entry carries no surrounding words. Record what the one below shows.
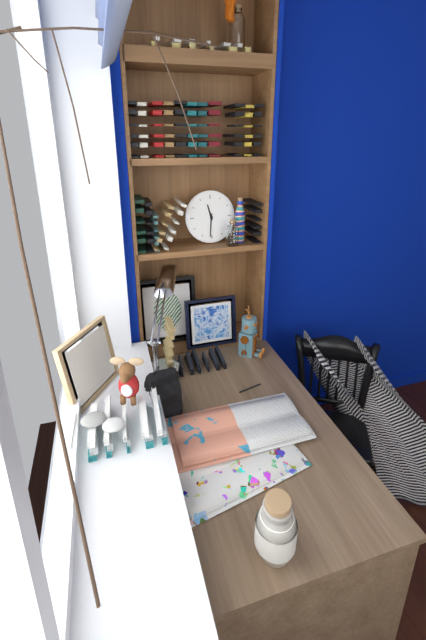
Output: 11h31
